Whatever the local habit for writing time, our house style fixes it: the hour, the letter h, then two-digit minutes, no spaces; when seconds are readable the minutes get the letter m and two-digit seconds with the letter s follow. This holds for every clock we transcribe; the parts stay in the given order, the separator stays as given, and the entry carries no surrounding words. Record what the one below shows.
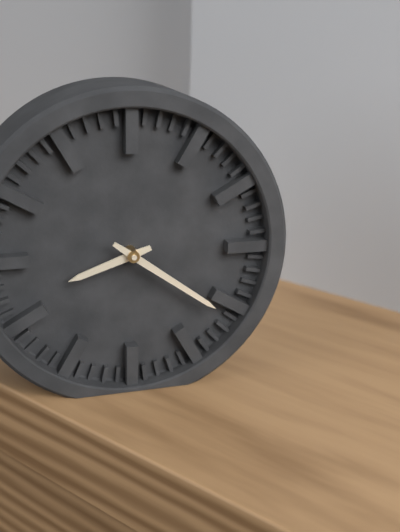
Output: 8h21
